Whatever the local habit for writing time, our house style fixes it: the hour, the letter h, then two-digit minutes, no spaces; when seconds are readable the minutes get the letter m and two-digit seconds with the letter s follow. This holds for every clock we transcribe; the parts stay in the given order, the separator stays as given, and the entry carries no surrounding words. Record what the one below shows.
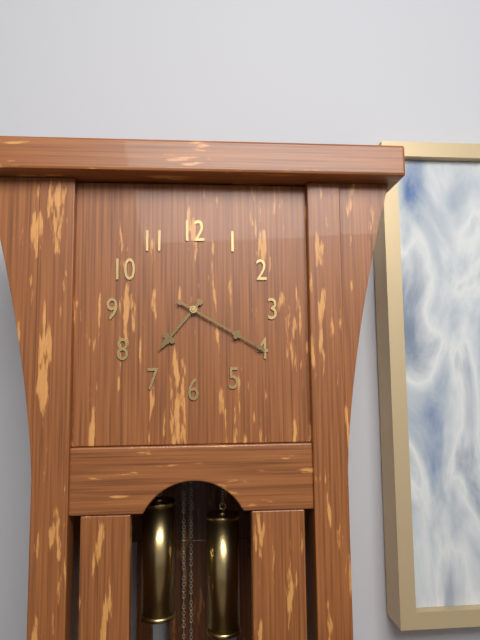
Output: 7h20
